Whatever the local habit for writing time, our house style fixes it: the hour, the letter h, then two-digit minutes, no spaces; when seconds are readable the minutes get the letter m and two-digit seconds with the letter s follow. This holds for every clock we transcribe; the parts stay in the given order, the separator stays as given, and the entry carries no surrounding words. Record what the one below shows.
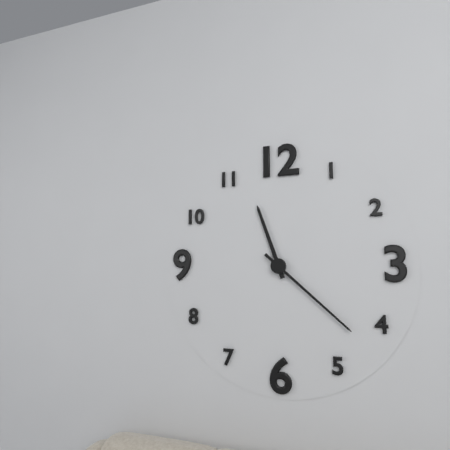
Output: 11h22
